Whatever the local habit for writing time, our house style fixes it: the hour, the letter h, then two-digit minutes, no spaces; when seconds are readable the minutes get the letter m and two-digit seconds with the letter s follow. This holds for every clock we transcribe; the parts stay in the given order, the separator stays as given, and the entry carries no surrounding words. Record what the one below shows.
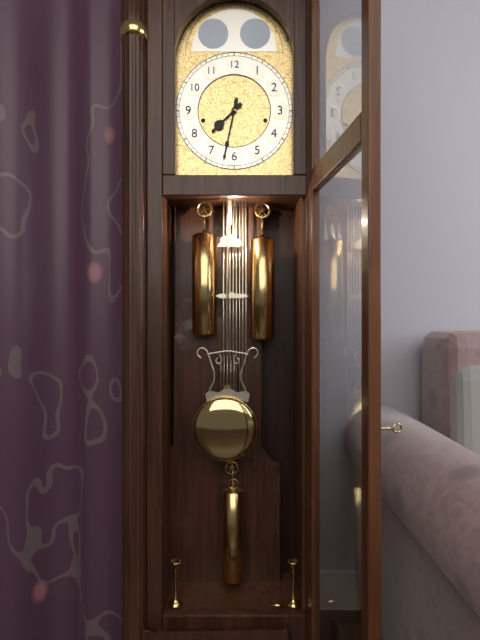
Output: 7h32
